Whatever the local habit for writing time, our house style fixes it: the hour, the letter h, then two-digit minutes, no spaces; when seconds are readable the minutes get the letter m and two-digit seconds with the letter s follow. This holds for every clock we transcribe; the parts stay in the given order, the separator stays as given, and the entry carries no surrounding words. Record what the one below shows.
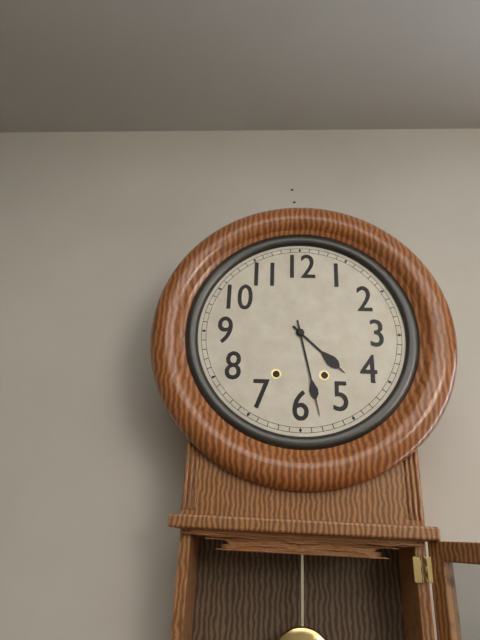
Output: 4h28
